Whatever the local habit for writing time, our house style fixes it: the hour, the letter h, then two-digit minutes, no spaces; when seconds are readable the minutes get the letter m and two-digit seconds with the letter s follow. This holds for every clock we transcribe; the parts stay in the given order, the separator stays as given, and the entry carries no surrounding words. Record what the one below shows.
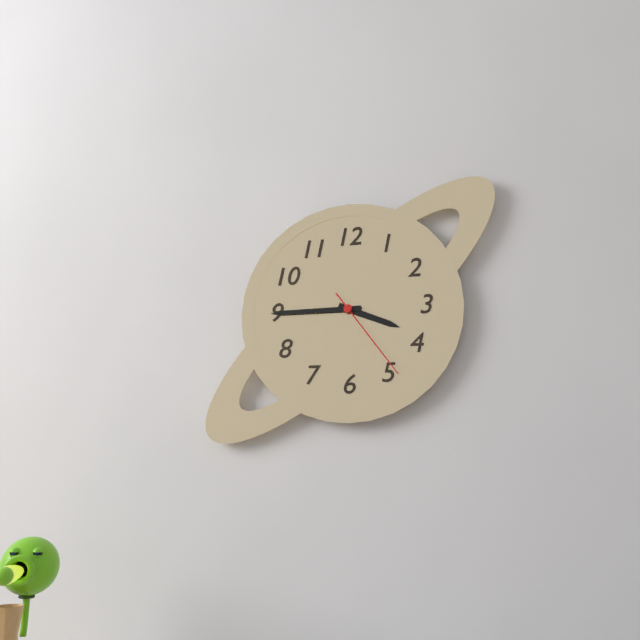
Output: 3h45m24s
